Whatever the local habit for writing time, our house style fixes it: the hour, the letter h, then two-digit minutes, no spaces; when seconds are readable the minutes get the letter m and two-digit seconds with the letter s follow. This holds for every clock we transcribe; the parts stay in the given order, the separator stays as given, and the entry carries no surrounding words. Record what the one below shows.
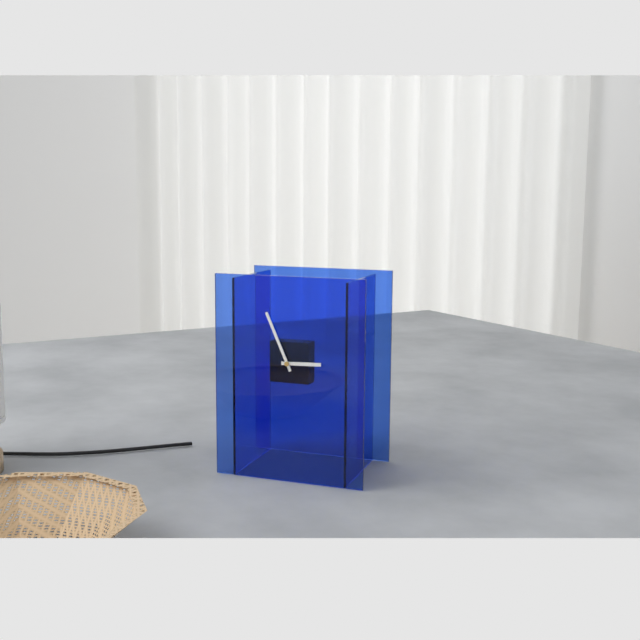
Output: 2h56
